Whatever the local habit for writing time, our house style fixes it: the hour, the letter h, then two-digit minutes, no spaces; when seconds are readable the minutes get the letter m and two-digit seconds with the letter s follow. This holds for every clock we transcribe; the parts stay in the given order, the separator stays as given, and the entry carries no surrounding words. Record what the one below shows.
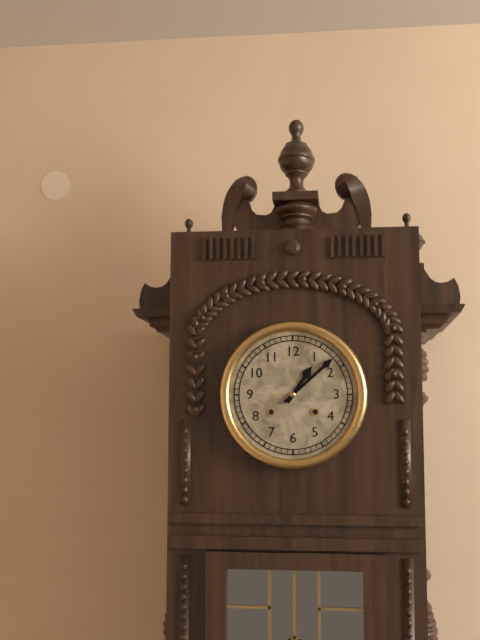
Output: 1h08
